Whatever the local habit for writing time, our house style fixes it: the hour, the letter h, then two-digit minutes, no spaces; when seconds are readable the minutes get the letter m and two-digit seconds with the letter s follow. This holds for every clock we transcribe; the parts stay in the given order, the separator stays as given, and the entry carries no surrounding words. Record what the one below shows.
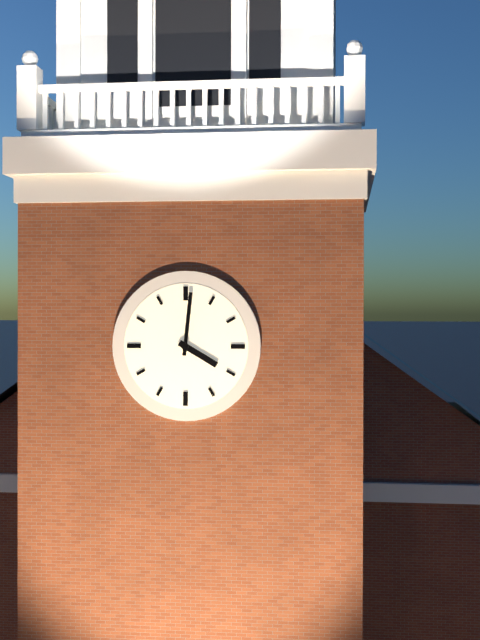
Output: 4h01
